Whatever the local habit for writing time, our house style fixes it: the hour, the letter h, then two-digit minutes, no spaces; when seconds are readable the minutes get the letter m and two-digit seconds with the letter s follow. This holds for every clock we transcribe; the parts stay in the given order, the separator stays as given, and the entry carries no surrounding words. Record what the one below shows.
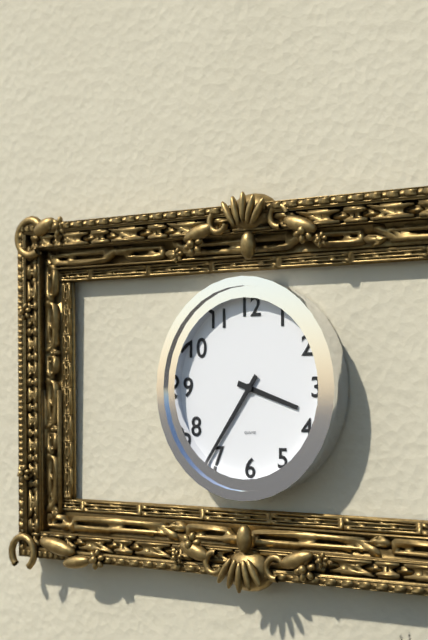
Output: 3h36
